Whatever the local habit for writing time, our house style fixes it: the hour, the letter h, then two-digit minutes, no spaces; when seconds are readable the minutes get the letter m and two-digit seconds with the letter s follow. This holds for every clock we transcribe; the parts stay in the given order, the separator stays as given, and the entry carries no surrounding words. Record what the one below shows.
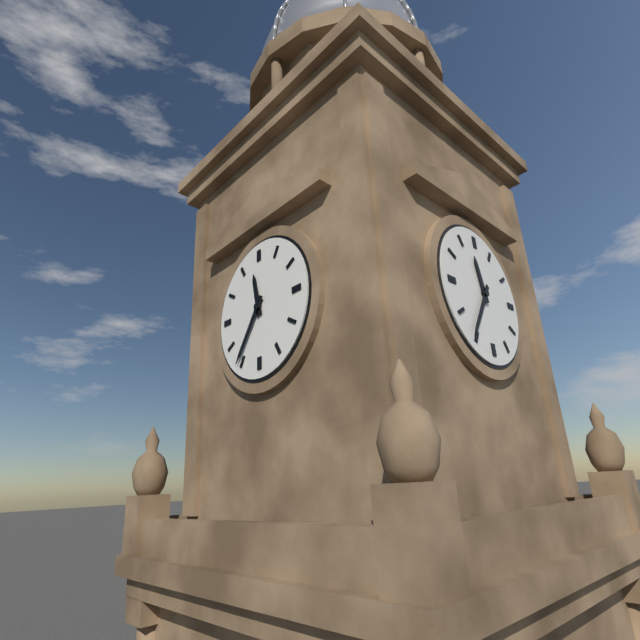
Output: 11h36
